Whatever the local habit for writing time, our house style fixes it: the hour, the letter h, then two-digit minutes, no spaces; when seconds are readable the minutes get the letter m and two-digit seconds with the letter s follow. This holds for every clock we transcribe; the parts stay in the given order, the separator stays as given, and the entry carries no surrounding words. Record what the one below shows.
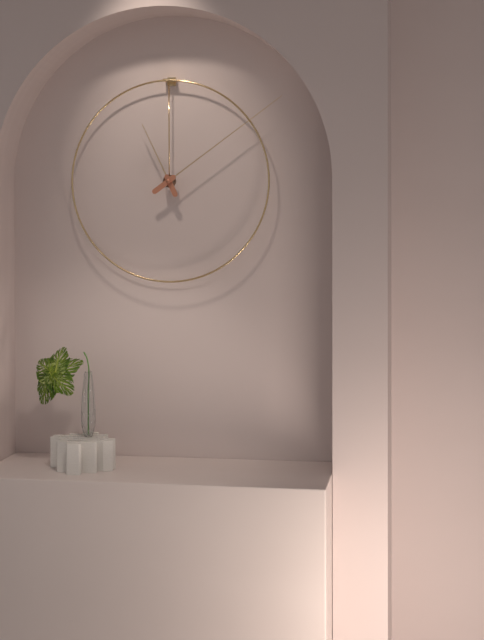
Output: 11h09
